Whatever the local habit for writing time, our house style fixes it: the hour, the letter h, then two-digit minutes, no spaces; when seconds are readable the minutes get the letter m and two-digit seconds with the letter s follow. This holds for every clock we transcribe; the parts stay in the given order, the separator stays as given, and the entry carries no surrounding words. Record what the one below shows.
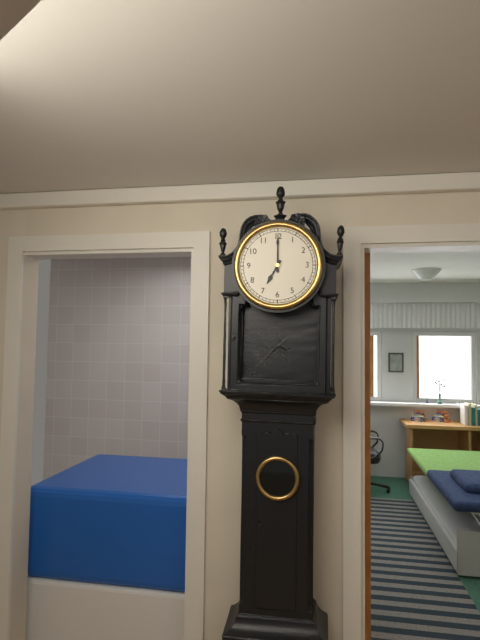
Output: 7h00
